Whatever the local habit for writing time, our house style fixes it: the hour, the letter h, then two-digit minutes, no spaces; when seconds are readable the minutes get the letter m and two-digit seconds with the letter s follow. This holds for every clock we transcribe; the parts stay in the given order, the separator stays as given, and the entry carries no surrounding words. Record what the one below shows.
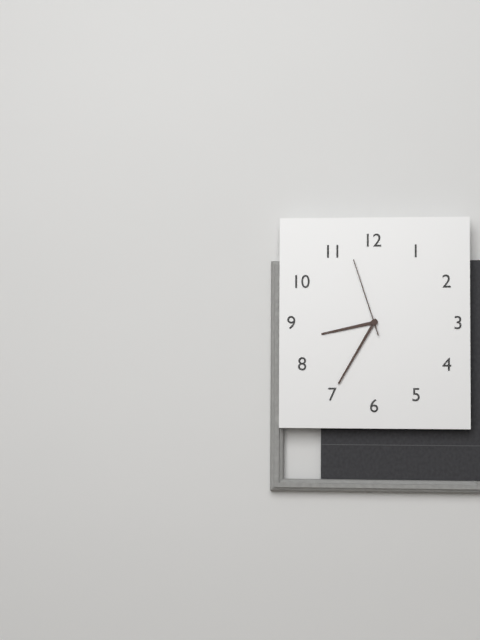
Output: 8h35m57s
